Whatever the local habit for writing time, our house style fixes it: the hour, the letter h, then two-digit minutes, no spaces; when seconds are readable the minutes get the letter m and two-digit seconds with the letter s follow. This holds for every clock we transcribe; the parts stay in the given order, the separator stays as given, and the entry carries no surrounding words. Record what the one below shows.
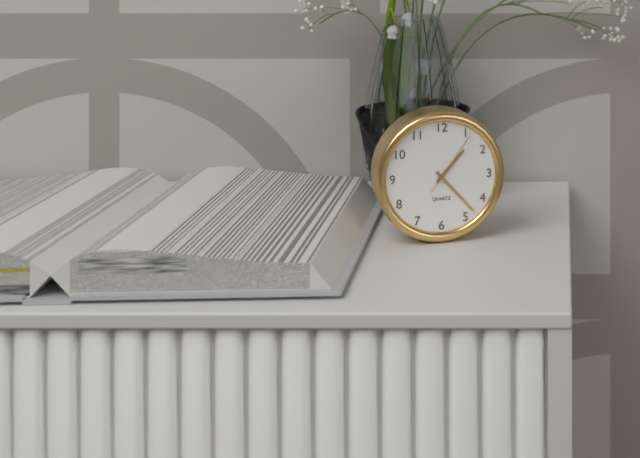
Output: 1h23m06s
